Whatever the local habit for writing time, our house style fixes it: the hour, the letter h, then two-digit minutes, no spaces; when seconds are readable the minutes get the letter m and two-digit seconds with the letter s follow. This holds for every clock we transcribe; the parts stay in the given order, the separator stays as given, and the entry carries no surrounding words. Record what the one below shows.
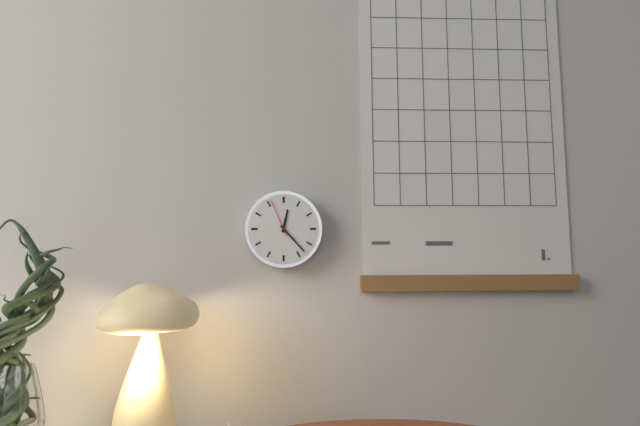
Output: 12h23
